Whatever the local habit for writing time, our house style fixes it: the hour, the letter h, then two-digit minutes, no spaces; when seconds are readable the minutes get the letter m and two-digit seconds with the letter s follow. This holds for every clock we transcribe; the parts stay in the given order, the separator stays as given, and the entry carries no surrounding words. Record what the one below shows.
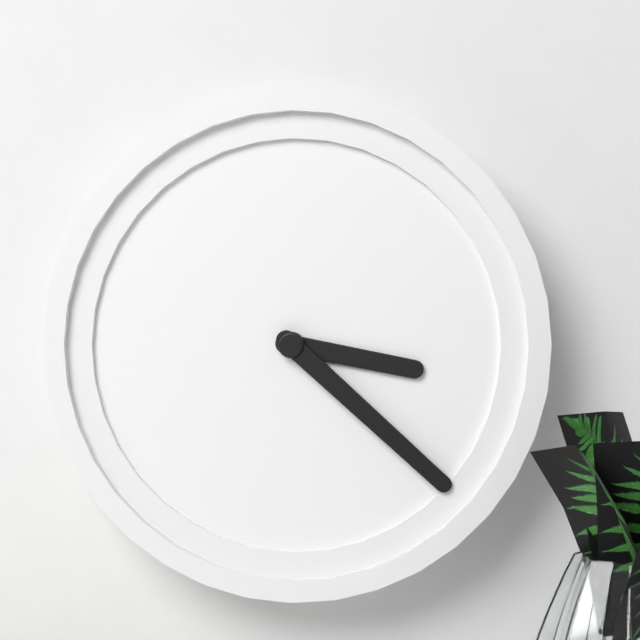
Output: 3h22
